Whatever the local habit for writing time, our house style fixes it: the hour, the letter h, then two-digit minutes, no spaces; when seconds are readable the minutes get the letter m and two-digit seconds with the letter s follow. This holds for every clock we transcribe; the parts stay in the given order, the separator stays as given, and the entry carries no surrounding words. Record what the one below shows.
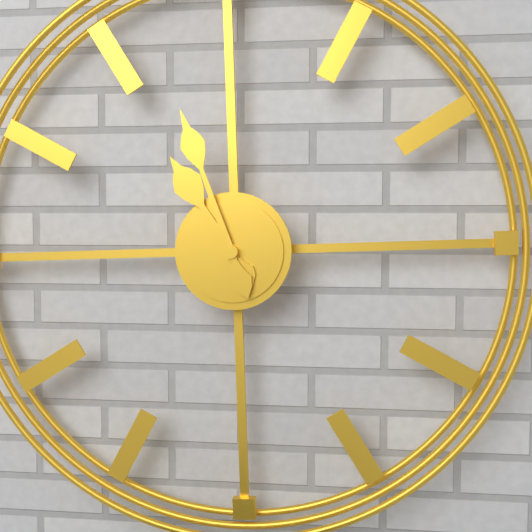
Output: 10h57
